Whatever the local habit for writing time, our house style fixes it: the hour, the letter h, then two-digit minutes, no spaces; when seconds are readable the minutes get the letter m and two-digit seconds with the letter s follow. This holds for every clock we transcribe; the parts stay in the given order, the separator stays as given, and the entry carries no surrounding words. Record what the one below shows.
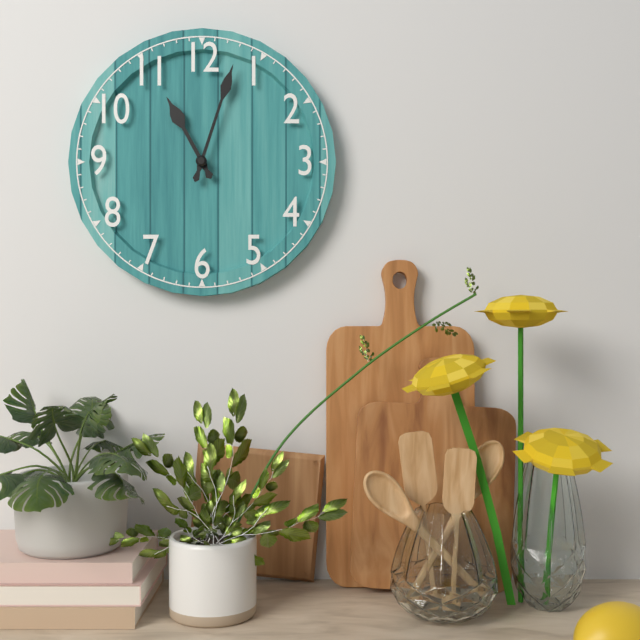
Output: 11h03
